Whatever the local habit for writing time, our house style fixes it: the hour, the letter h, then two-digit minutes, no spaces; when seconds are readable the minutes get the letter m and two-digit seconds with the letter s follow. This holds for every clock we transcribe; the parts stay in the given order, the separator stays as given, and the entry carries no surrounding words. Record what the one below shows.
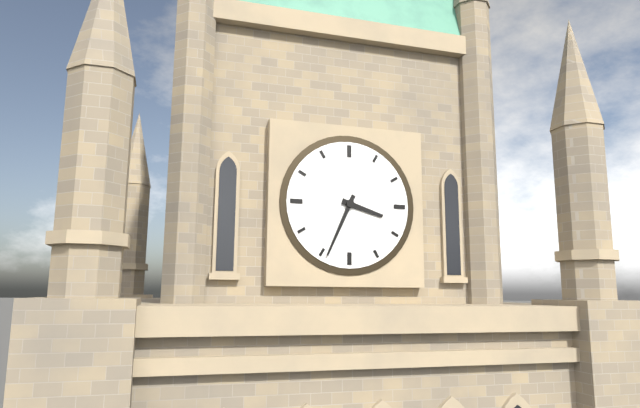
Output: 3h34
